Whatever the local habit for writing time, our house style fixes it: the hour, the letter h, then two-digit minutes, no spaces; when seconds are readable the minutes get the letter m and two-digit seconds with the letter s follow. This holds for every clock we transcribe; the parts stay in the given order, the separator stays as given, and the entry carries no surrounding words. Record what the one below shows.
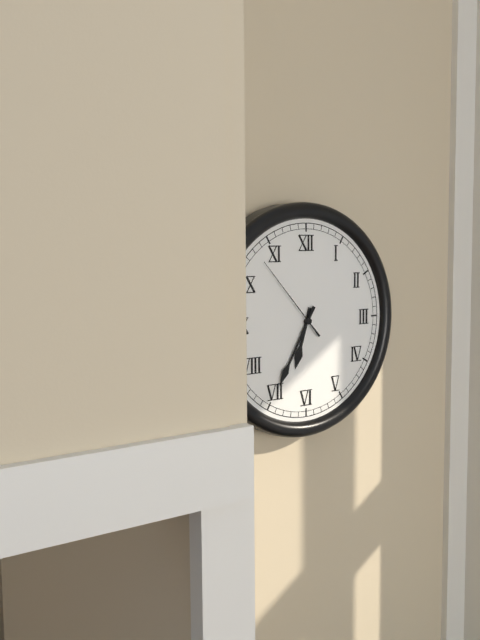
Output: 6h35m53s
